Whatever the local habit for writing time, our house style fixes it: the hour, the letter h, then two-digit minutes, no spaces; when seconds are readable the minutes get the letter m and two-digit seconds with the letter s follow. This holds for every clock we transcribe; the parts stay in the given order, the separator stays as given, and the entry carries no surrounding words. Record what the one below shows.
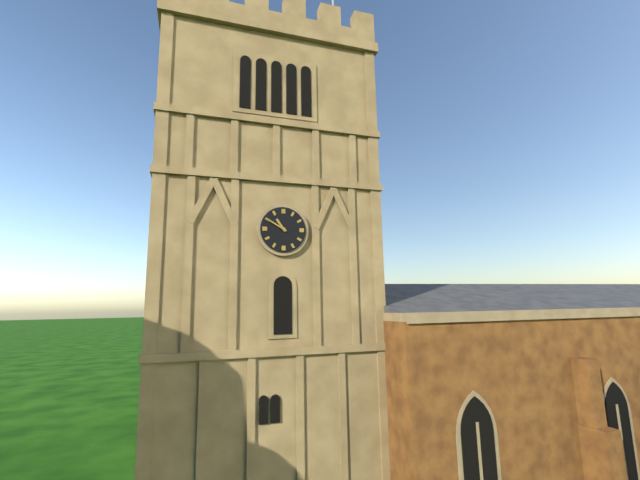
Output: 10h50
